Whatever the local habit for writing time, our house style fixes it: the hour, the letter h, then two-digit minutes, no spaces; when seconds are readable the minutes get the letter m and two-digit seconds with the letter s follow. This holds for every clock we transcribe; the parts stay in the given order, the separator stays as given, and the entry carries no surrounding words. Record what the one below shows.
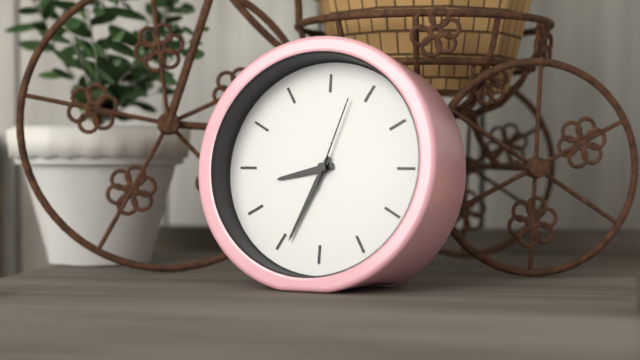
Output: 8h34m03s
